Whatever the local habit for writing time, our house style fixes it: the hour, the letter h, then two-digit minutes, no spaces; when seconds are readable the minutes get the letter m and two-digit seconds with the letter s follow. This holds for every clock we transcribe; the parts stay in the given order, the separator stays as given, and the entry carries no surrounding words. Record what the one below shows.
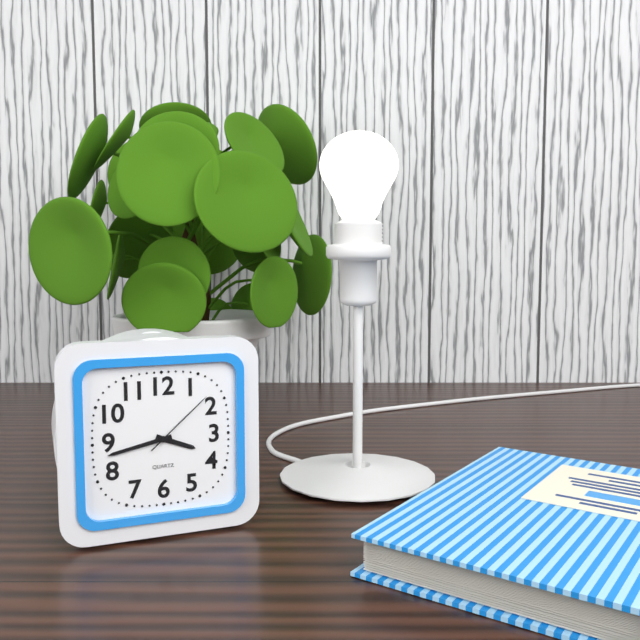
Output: 3h43m08s
